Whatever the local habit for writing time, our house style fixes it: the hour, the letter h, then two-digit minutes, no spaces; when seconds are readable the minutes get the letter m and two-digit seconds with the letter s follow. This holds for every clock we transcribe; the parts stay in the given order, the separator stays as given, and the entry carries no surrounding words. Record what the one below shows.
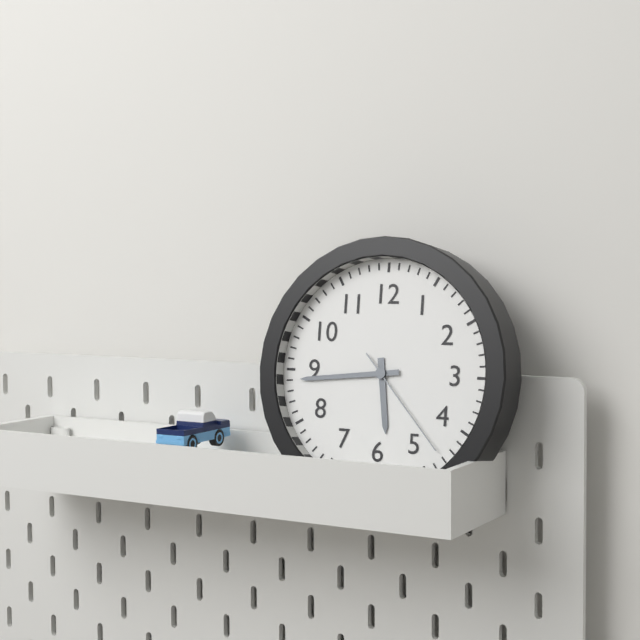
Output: 5h44m23s
